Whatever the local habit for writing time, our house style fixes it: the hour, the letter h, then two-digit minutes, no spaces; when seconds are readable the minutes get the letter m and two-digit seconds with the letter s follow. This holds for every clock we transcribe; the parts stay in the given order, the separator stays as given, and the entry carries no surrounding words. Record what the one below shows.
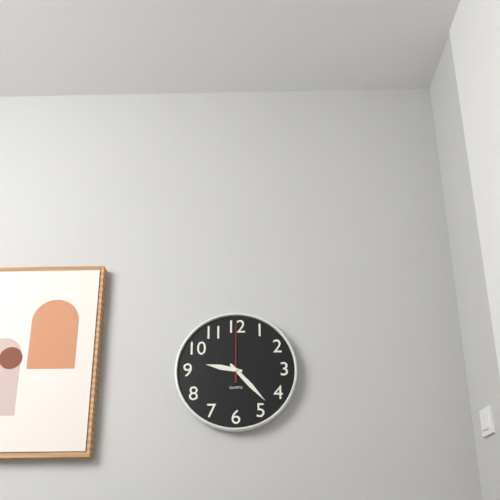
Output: 9h23m00s
